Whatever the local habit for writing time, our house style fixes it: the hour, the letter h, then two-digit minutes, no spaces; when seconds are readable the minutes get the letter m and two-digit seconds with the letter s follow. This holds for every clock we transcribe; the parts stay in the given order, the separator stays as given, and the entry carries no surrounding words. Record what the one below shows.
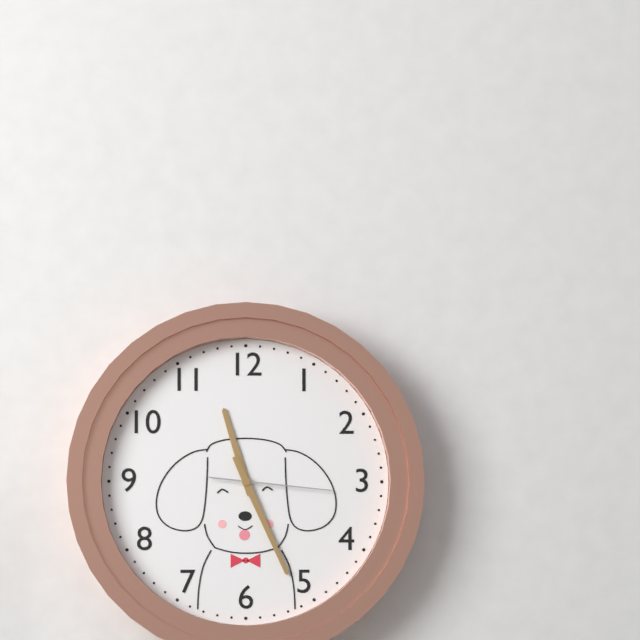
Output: 11h26m16s
